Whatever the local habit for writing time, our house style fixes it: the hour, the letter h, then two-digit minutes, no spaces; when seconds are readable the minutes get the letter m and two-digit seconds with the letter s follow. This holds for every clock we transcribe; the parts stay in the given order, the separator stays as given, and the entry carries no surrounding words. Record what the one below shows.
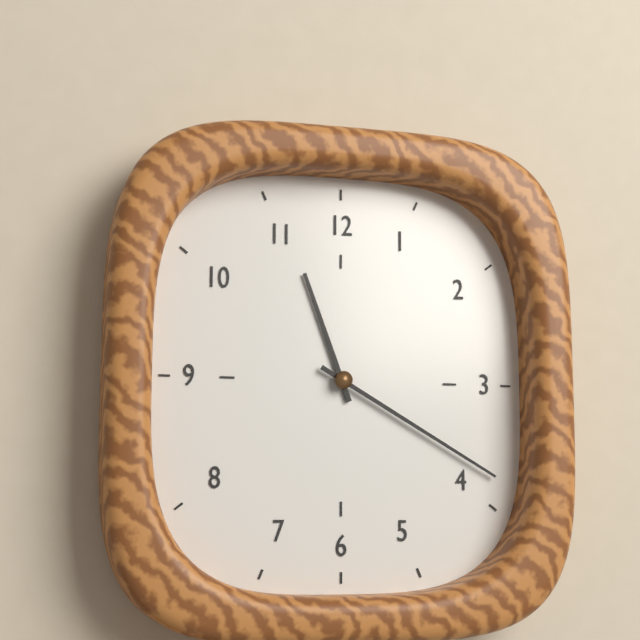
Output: 11h20
